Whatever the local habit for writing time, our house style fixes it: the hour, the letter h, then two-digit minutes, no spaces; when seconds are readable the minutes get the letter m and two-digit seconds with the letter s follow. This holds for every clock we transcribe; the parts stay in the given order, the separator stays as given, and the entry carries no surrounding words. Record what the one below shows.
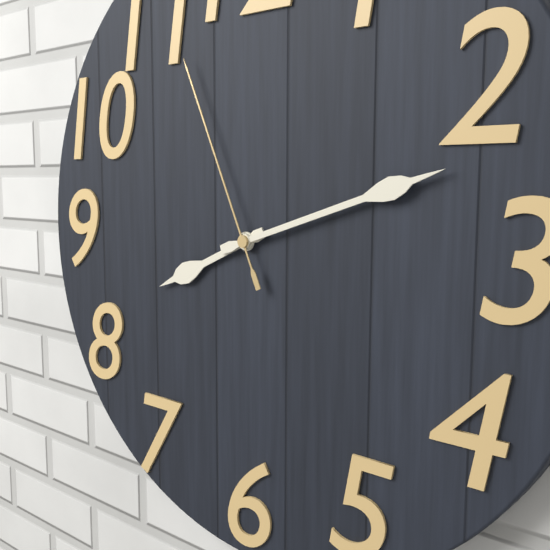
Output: 8h12m56s
